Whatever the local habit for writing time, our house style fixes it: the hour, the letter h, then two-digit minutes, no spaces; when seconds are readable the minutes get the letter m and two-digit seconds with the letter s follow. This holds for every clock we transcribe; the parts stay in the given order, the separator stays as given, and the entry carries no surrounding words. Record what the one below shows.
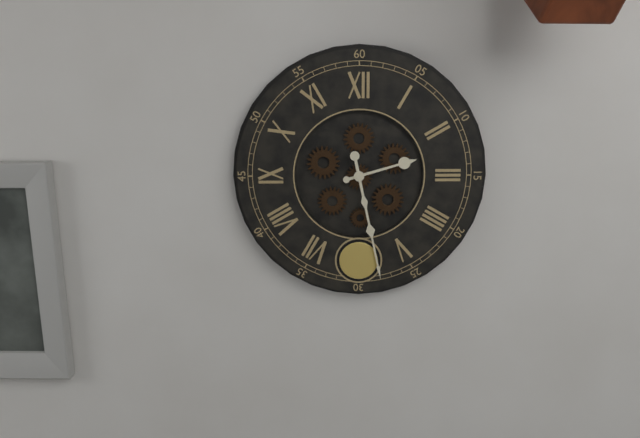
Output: 2h28
